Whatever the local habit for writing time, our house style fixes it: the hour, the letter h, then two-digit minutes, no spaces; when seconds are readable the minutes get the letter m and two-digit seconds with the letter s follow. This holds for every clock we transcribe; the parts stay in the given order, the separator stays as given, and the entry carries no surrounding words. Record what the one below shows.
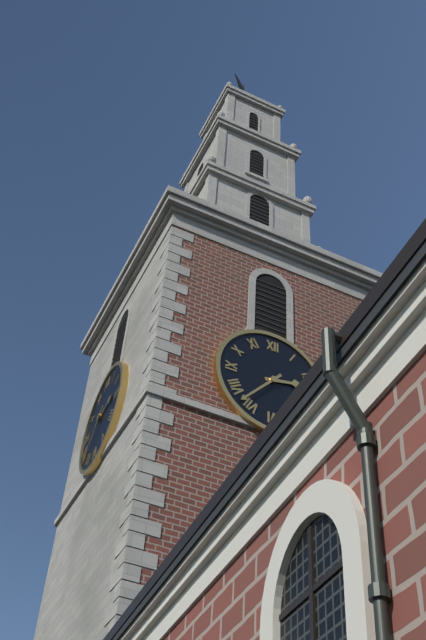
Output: 2h37
